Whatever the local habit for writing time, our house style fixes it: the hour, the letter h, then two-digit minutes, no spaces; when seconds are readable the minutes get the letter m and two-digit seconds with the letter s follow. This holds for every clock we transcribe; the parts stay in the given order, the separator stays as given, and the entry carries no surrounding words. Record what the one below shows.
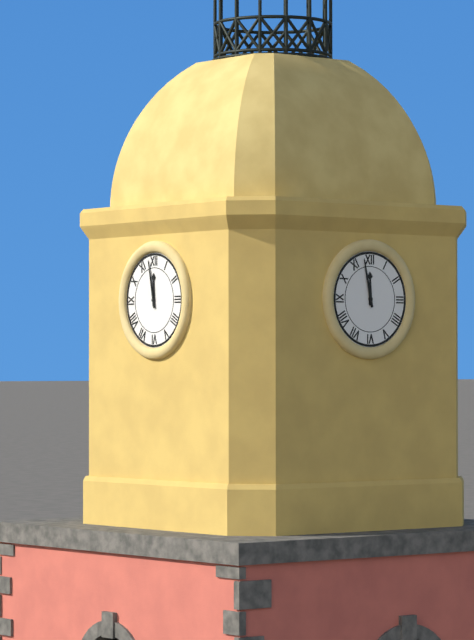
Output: 11h58
